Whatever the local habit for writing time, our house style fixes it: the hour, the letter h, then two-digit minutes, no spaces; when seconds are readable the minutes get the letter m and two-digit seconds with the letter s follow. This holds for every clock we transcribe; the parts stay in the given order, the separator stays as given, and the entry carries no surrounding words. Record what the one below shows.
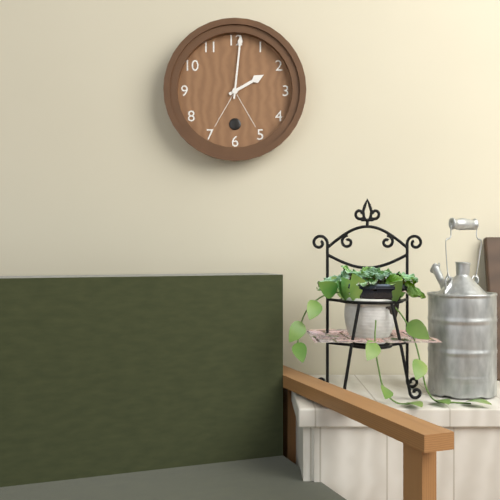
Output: 2h01
